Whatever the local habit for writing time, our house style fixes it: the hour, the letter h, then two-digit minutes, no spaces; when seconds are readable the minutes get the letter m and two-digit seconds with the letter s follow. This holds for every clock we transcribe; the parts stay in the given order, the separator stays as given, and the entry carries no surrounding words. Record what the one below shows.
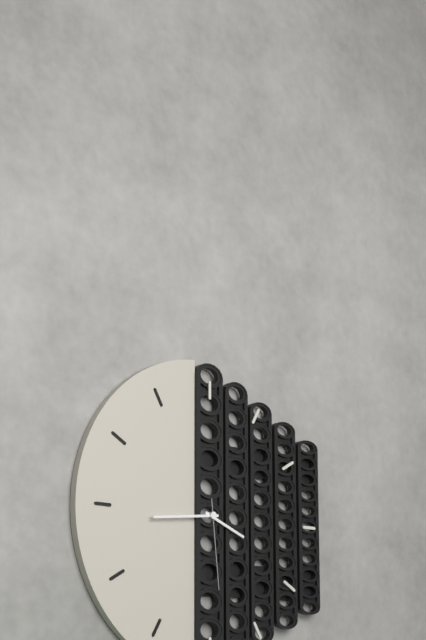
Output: 3h44m29s
